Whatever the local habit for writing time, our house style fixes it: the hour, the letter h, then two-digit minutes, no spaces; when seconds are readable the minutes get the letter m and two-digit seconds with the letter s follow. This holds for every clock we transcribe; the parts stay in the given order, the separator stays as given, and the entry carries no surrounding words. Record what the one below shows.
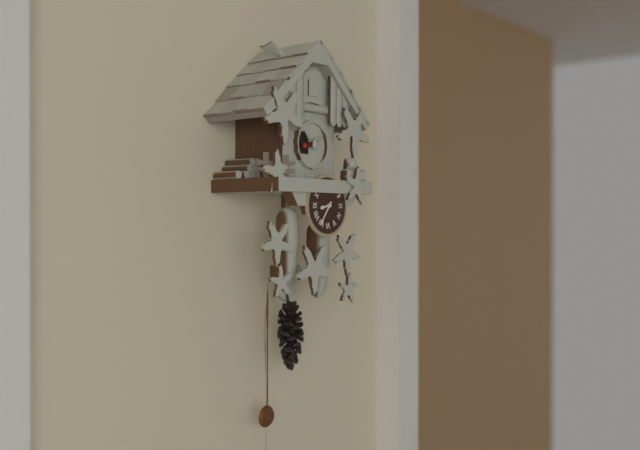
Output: 8h36
